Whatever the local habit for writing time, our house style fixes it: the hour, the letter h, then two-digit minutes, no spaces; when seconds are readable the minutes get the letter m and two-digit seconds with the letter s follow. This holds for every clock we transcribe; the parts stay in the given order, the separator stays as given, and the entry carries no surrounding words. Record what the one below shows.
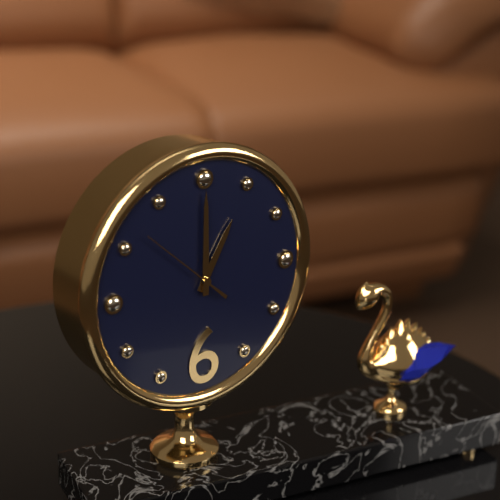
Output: 1h00m52s
